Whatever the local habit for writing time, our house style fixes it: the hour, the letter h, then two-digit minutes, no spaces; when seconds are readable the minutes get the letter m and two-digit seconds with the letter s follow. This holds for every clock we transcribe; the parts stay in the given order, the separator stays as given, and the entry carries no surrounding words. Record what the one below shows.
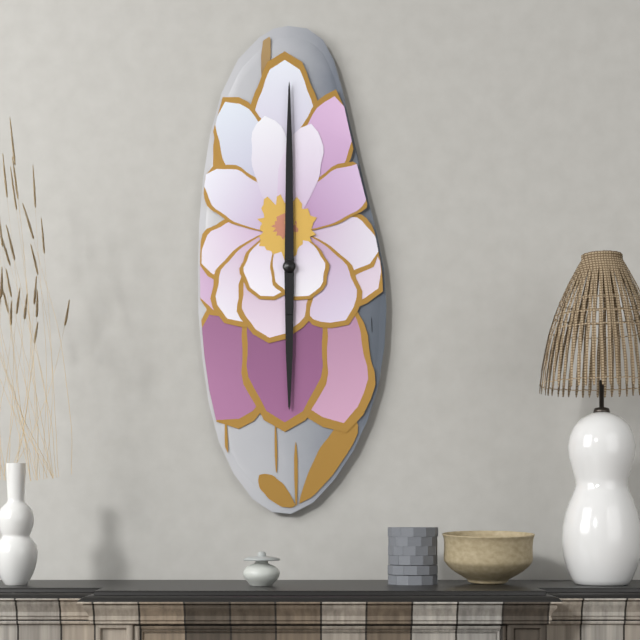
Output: 6h00
